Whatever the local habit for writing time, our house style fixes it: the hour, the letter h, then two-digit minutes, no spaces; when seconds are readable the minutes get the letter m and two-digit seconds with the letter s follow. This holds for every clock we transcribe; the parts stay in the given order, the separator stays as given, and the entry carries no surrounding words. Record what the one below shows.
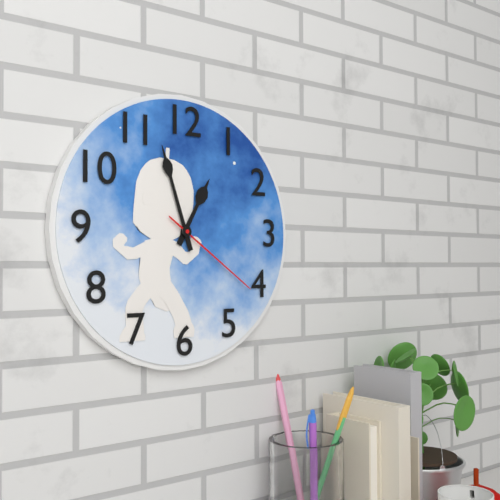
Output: 12h57m21s
